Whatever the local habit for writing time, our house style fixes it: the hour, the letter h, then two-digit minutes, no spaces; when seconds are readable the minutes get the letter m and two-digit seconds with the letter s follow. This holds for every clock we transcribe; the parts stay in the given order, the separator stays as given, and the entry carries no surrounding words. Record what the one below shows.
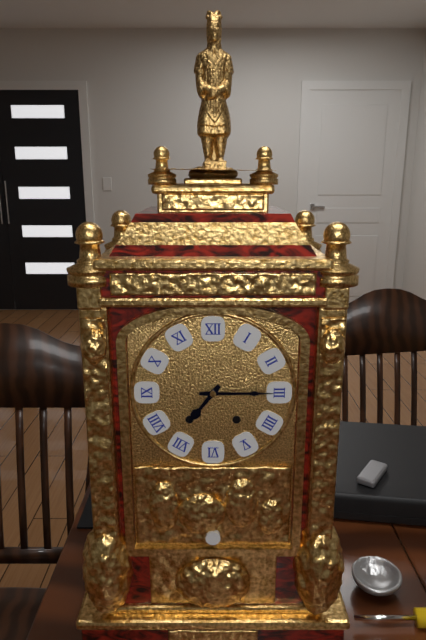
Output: 7h15
